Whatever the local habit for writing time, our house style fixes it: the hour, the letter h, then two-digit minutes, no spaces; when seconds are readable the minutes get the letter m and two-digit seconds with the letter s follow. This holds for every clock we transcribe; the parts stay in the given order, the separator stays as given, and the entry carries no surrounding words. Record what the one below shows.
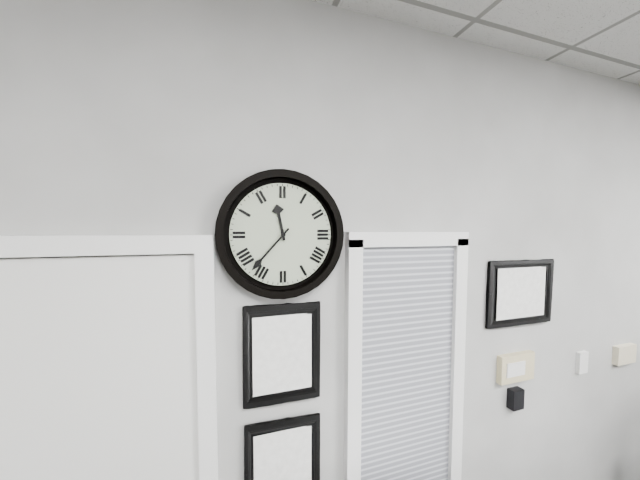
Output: 11h37
